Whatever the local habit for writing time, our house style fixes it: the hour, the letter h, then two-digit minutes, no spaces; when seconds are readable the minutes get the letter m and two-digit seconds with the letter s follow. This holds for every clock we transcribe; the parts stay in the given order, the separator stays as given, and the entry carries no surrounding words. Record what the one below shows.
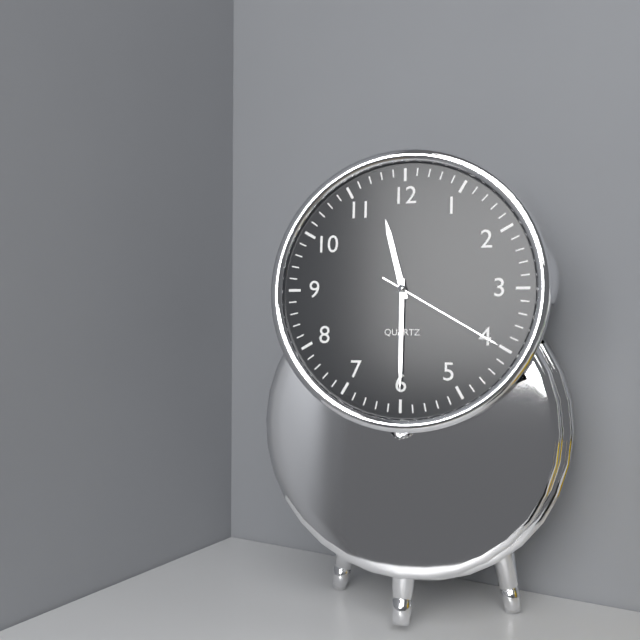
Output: 11h30m20s
